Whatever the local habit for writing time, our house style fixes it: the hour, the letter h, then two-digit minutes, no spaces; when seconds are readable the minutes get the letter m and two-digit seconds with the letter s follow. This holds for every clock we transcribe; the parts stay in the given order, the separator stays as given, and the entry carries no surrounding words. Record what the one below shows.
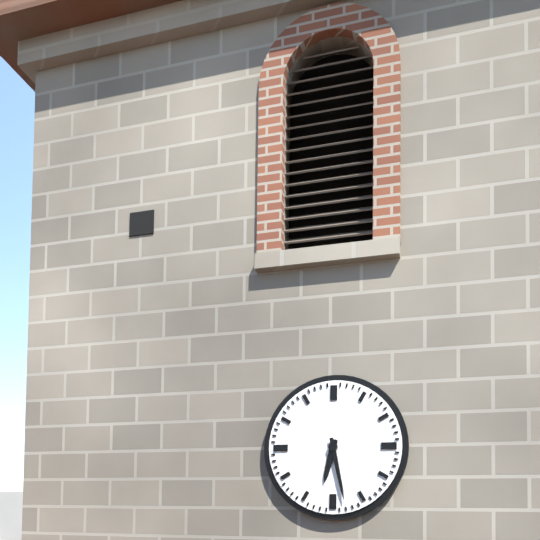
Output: 6h28
